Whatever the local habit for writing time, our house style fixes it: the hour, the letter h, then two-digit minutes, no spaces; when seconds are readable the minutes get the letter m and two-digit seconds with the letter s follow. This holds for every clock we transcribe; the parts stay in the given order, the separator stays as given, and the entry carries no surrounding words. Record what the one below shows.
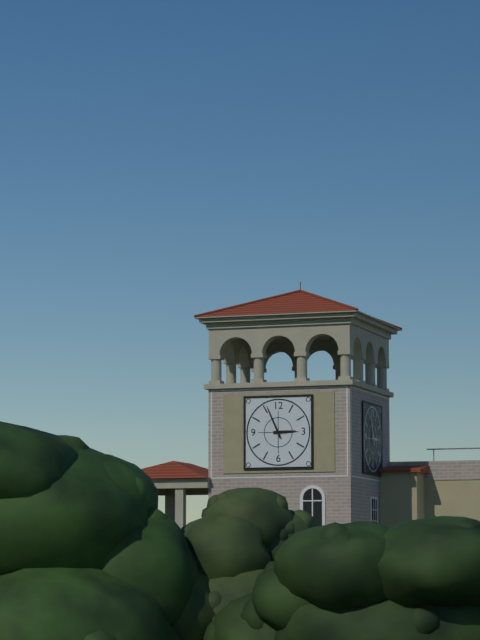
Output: 2h56
